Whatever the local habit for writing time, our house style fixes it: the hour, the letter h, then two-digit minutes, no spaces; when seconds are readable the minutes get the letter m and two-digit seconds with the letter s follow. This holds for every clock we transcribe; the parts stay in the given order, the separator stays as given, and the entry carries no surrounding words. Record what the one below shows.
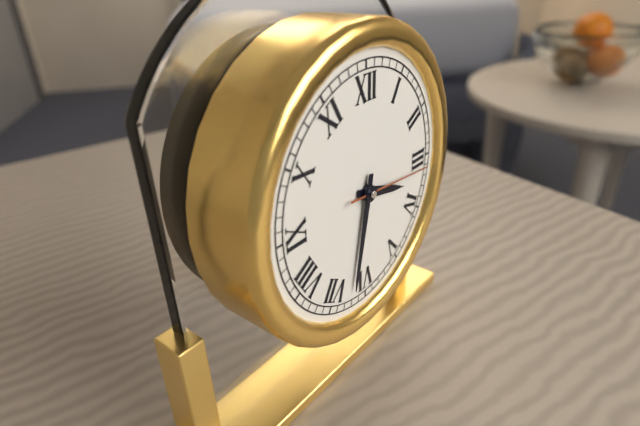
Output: 3h32m16s
